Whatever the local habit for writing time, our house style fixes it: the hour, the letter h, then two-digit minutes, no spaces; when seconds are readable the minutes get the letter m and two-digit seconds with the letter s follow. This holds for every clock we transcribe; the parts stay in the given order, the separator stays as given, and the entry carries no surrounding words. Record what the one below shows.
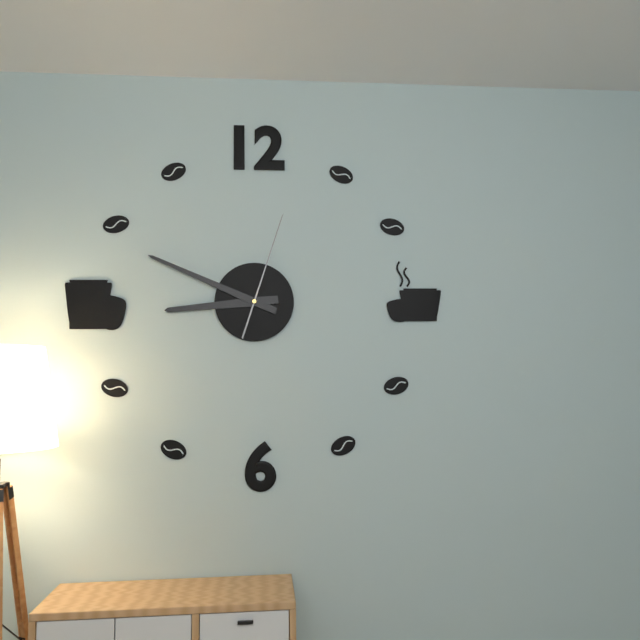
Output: 8h49m03s
